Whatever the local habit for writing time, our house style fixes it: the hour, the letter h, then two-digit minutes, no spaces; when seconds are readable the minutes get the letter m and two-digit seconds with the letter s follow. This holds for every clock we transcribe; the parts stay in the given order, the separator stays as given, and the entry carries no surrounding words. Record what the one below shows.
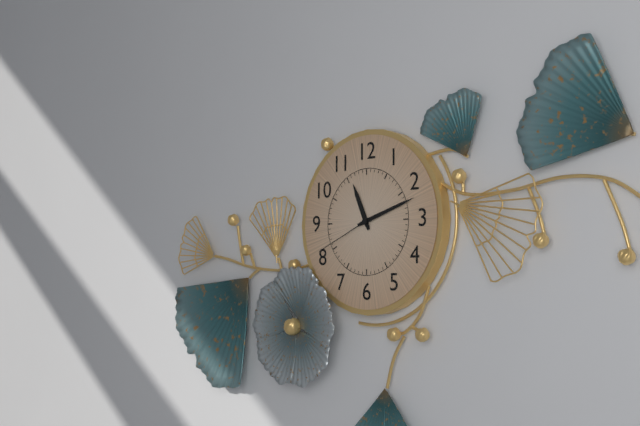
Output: 11h12m41s
